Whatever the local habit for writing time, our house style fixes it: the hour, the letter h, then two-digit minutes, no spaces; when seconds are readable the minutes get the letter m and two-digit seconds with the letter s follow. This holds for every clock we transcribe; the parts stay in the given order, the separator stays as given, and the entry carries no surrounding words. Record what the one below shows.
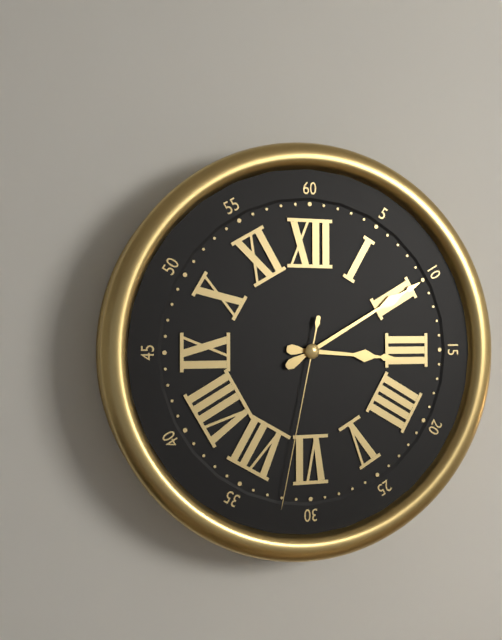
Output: 3h10m32s
